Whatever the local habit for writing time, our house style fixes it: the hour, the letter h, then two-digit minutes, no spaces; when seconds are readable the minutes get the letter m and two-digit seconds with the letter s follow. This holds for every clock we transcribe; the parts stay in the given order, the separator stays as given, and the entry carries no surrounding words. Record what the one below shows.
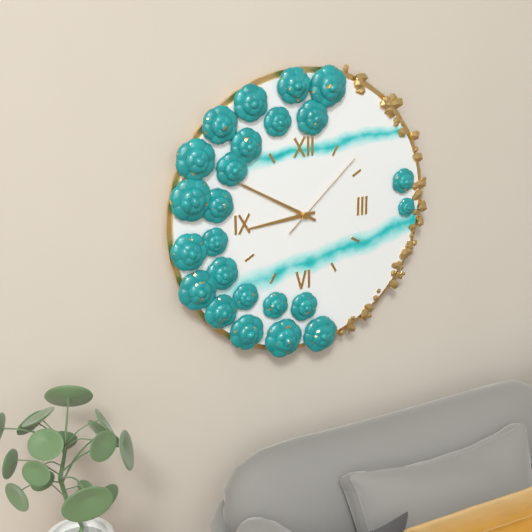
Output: 8h50m08s
